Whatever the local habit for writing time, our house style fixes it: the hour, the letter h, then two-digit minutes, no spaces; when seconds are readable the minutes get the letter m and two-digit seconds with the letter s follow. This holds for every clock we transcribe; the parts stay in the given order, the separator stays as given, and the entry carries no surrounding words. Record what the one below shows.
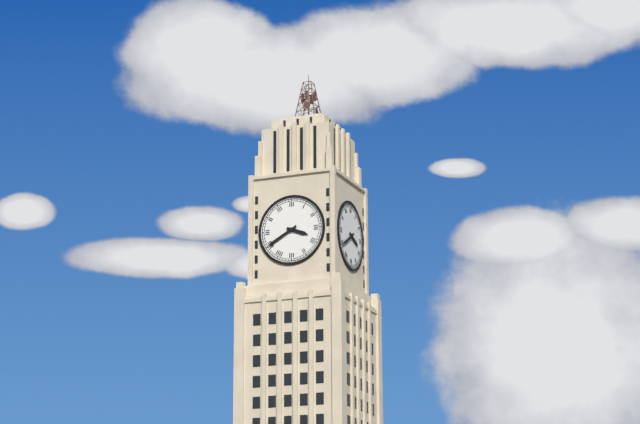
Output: 3h40
